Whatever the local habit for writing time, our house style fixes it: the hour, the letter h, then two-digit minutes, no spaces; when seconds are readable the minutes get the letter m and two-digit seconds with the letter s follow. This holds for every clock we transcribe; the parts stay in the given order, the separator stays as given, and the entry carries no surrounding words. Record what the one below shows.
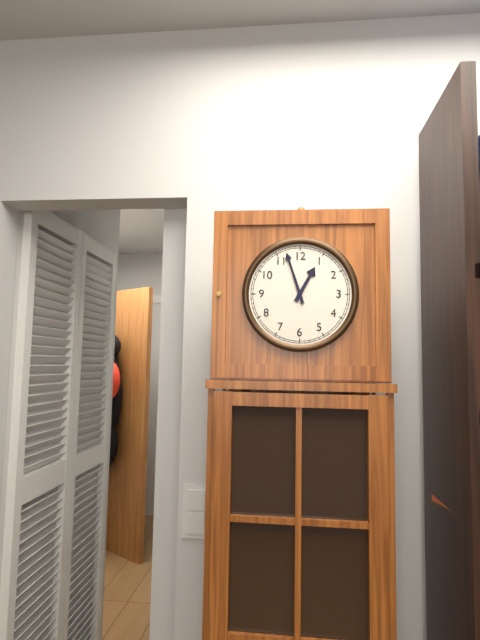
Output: 12h57
